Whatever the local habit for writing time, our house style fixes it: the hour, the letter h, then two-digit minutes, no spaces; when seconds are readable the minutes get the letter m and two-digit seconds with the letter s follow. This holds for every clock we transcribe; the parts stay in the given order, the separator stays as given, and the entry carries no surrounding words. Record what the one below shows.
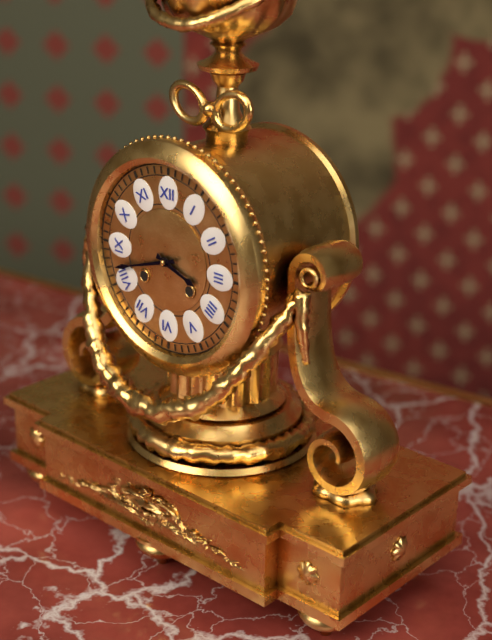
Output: 3h42
